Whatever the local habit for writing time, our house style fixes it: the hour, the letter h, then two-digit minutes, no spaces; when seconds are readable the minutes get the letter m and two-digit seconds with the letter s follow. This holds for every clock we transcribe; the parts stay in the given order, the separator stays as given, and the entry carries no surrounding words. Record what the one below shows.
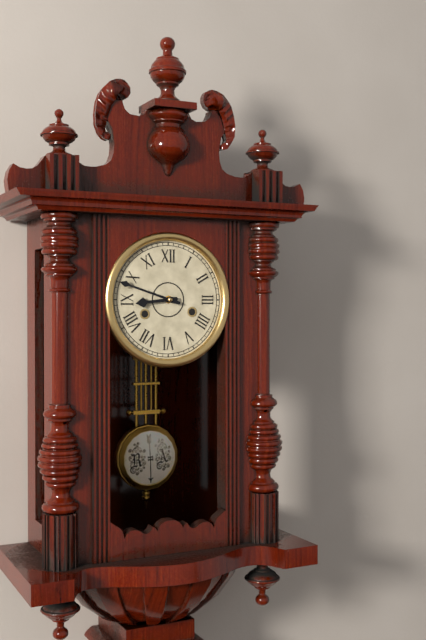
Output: 8h48
